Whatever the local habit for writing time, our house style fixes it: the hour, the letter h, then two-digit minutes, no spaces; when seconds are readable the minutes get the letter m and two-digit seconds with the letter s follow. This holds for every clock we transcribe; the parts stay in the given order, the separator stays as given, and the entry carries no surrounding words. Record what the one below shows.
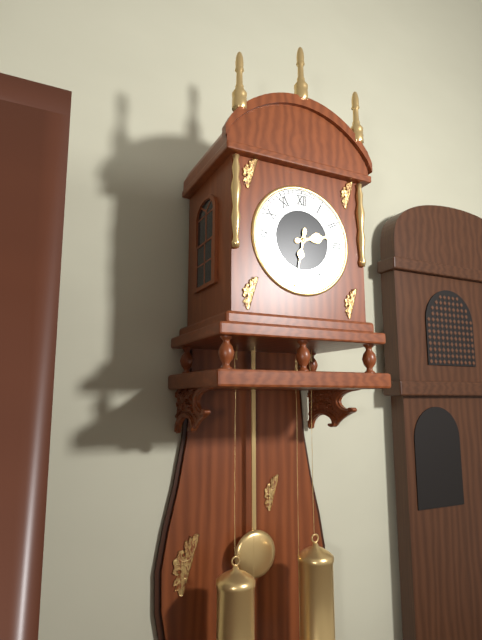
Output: 2h32
